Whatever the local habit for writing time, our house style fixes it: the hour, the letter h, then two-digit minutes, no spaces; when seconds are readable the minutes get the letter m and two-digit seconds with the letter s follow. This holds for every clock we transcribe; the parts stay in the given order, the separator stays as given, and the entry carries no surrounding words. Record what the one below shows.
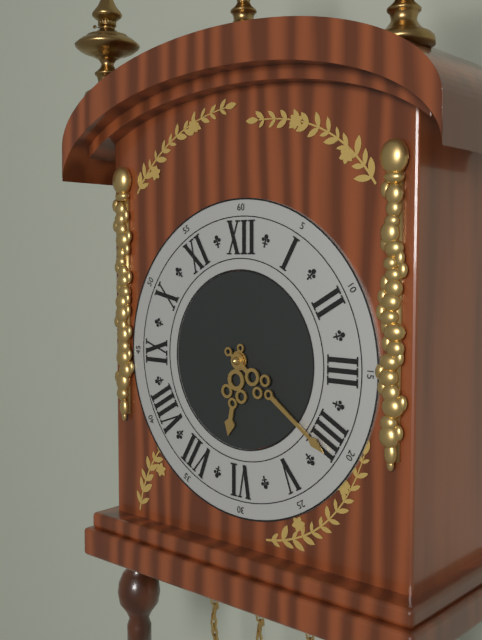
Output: 6h21
